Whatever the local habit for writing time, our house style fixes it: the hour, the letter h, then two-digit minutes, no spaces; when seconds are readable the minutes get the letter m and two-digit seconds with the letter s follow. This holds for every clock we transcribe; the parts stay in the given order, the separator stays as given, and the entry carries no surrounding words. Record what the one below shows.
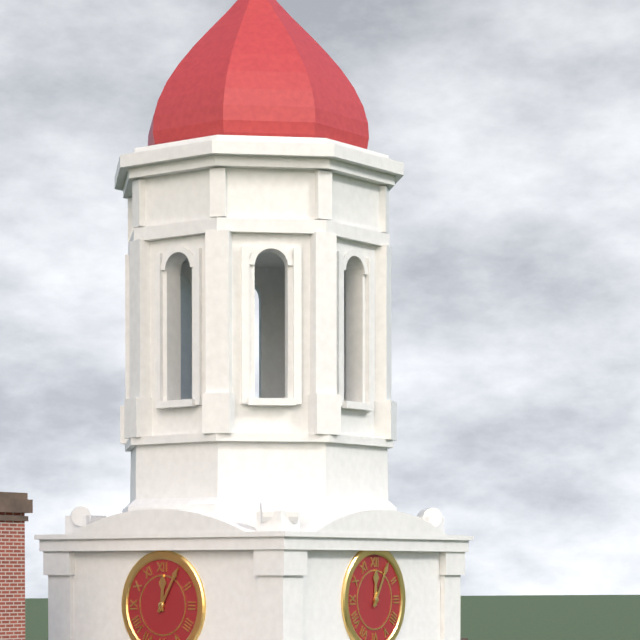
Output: 12h05
